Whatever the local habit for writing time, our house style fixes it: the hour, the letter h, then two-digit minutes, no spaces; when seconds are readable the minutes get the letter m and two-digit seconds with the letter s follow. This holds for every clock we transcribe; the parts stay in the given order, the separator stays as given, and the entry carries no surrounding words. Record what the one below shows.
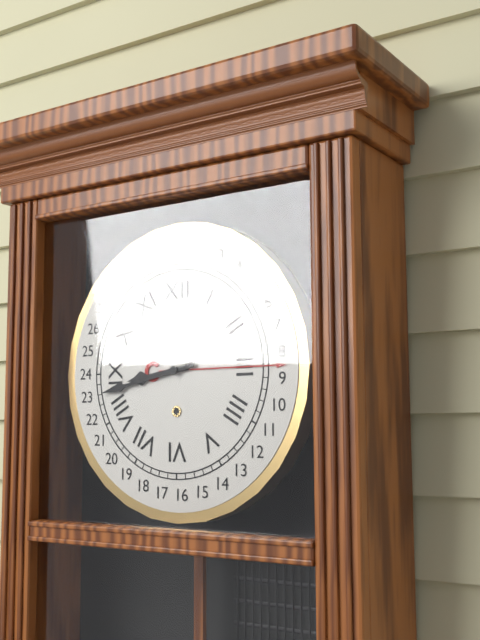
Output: 8h43
